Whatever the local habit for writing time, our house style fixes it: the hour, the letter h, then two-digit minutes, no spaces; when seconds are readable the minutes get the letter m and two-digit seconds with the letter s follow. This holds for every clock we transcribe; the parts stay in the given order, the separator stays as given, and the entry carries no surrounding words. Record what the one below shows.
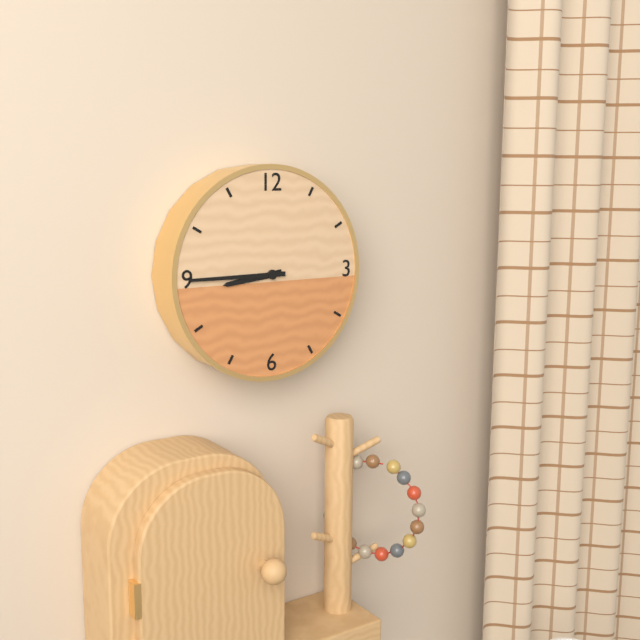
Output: 8h45
